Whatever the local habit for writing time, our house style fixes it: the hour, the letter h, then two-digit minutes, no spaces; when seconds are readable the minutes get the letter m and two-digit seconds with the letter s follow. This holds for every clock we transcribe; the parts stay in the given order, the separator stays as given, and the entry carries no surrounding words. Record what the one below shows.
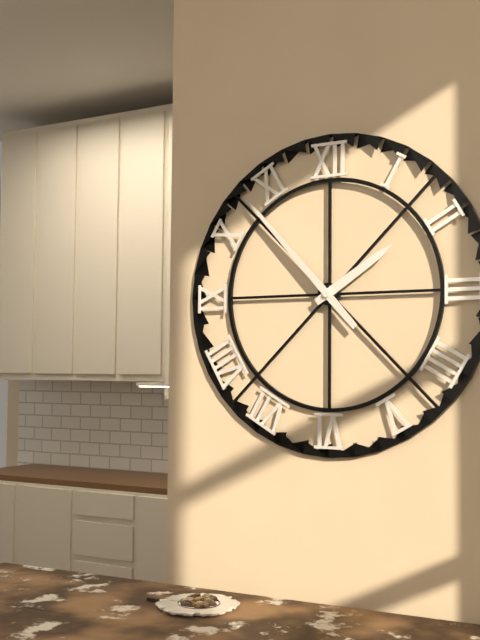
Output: 1h53
